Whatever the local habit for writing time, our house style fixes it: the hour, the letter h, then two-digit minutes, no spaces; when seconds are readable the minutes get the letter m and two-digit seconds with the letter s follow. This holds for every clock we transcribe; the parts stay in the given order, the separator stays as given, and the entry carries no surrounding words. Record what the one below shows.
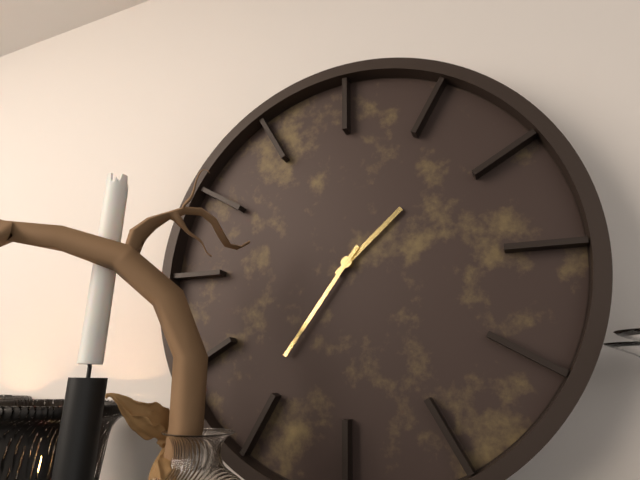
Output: 1h36
